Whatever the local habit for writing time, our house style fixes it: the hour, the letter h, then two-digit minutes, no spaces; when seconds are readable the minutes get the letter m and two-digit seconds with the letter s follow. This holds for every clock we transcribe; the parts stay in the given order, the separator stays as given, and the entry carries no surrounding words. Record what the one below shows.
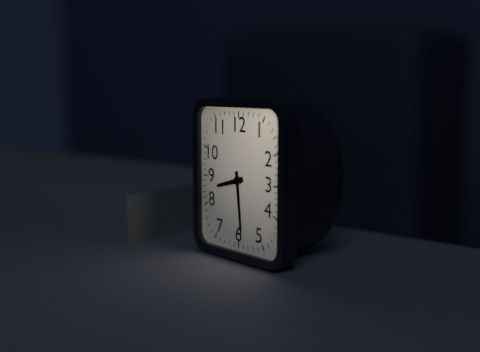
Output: 8h29
